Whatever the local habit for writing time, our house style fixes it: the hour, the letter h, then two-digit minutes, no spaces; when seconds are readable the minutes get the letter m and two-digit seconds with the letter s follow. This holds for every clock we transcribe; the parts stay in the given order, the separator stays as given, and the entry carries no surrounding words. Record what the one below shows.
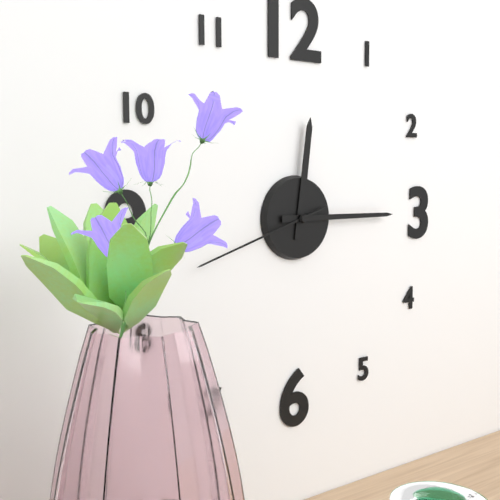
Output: 12h15m42s
